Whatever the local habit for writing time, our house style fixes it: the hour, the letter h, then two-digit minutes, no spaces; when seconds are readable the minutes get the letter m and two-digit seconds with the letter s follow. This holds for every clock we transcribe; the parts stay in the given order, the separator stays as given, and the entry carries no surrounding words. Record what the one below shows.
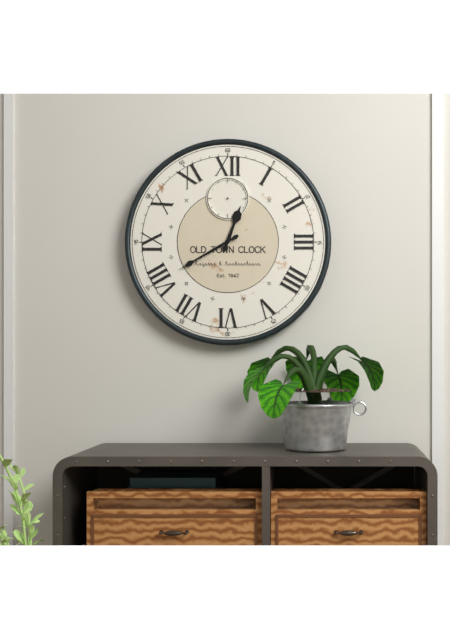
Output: 12h40
